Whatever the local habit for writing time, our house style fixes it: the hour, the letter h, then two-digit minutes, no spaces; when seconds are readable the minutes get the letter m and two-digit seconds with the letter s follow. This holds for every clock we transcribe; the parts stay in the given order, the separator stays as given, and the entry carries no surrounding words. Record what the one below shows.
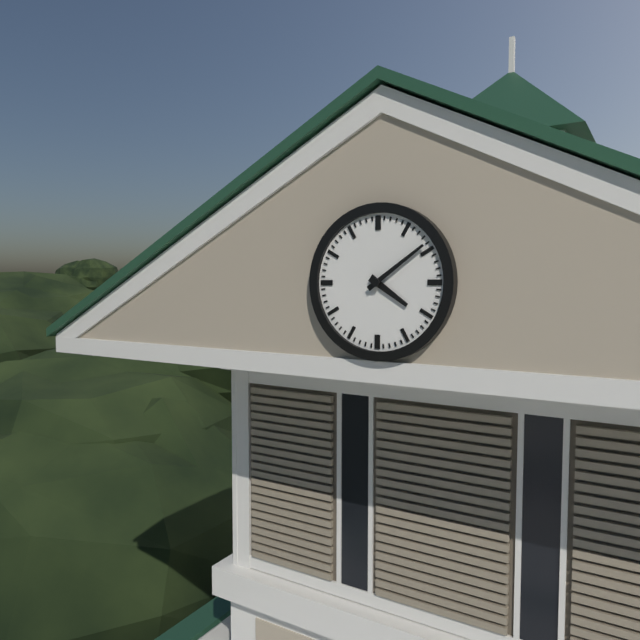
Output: 4h09
